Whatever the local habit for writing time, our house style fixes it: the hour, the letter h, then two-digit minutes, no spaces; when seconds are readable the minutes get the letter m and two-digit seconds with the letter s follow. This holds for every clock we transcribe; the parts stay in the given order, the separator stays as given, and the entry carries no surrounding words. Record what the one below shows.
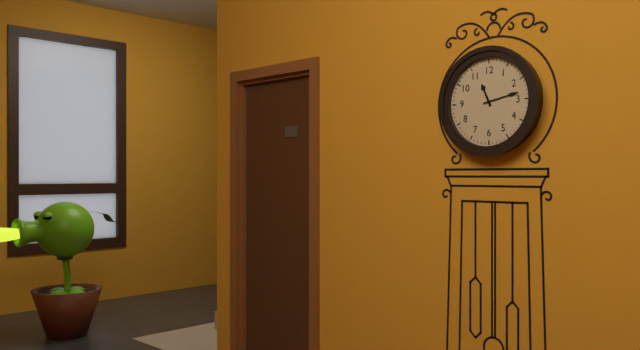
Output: 11h13
